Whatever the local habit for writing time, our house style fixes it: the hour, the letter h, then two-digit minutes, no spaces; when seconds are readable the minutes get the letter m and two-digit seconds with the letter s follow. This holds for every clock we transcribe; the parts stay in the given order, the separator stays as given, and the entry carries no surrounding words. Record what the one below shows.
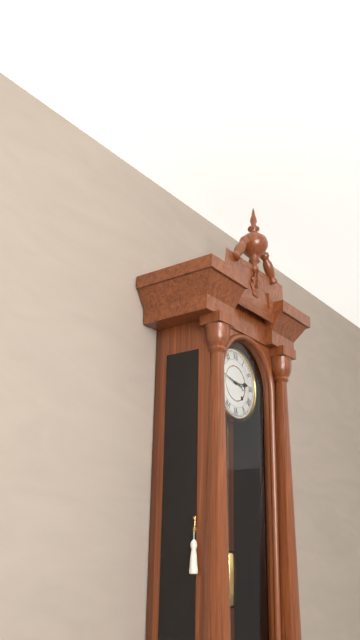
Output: 2h47
